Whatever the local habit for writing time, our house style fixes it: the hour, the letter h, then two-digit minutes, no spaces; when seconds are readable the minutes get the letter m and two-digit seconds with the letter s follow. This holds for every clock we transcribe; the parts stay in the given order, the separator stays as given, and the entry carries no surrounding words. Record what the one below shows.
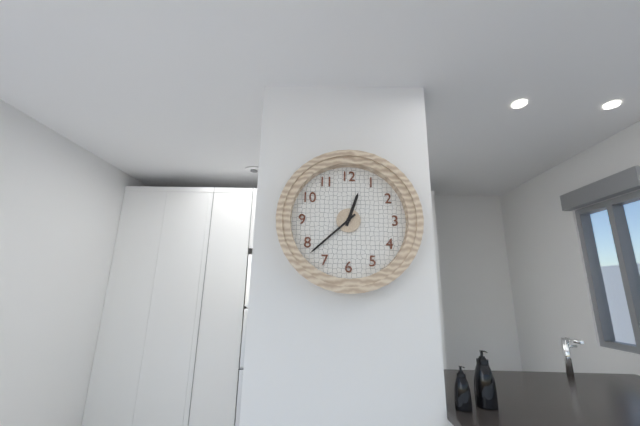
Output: 12h38
